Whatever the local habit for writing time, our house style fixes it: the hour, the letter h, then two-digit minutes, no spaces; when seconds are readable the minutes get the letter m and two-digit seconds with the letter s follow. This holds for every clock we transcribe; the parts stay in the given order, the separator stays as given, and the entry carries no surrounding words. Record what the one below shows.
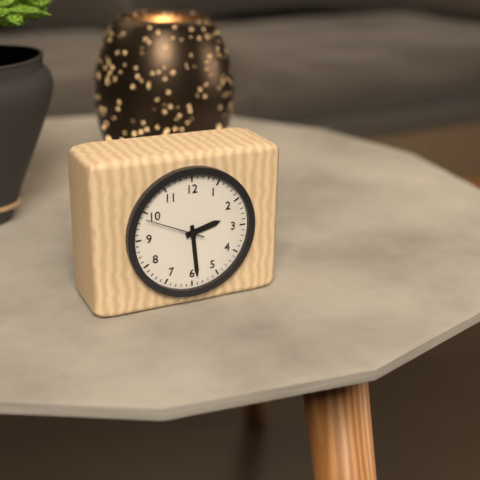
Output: 2h29m49s
